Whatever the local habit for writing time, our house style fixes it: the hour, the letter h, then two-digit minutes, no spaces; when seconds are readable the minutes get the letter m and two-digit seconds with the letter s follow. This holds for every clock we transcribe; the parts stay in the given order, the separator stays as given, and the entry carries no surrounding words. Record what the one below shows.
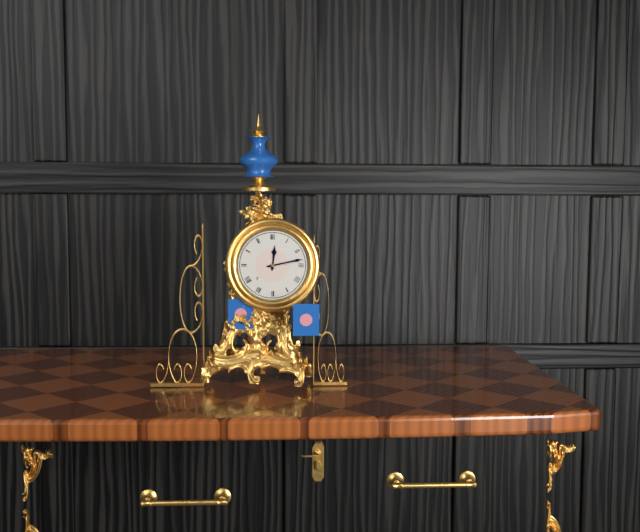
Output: 12h13
